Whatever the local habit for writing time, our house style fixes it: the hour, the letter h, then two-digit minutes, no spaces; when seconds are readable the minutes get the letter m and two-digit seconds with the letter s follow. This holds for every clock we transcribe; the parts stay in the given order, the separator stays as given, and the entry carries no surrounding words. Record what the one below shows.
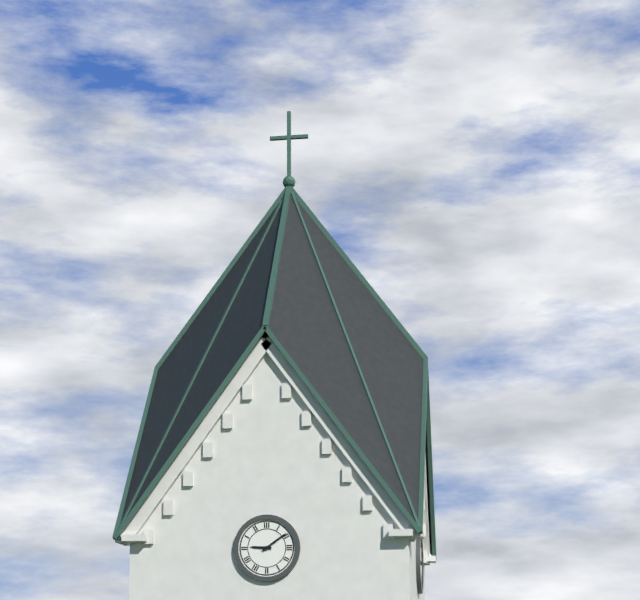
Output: 9h09
